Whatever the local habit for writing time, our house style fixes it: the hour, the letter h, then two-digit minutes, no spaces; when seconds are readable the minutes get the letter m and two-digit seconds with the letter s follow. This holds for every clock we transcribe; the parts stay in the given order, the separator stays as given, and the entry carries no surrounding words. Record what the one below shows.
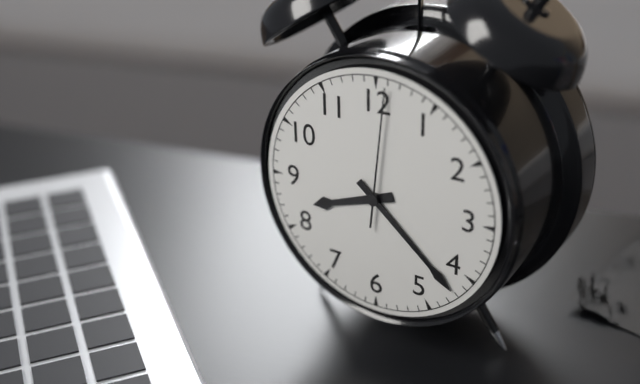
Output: 8h22m01s
